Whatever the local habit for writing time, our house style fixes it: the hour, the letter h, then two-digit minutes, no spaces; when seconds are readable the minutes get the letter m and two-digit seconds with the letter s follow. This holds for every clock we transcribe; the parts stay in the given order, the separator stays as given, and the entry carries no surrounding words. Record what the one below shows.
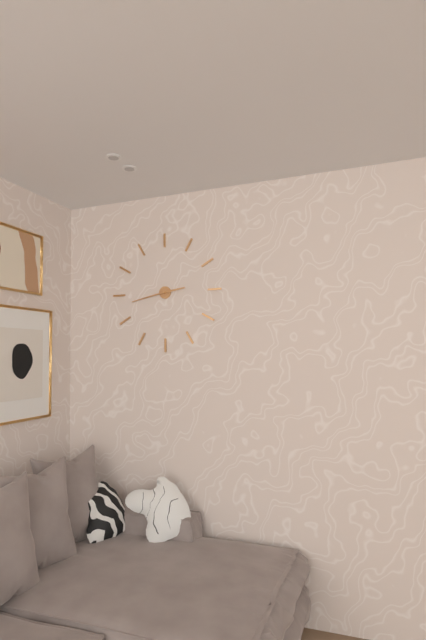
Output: 2h43
